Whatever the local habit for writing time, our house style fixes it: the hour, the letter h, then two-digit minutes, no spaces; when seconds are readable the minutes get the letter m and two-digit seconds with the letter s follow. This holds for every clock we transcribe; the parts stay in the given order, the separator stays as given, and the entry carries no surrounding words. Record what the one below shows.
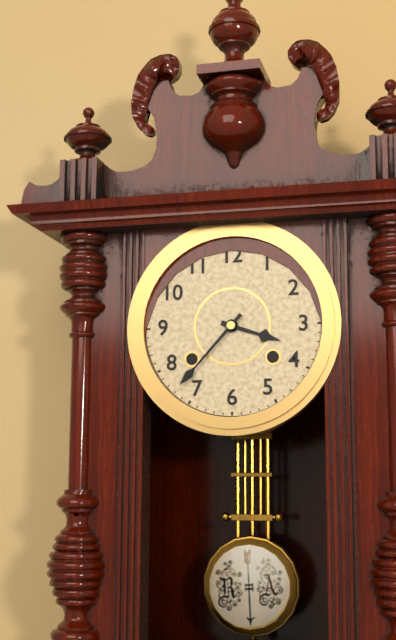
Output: 3h37
